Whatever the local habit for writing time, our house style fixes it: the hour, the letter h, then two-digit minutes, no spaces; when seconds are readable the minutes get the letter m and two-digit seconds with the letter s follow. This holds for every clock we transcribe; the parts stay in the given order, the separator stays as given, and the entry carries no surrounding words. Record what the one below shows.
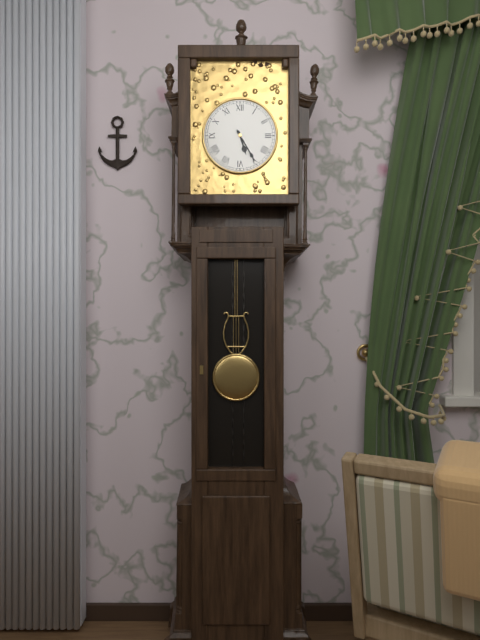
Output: 5h25
